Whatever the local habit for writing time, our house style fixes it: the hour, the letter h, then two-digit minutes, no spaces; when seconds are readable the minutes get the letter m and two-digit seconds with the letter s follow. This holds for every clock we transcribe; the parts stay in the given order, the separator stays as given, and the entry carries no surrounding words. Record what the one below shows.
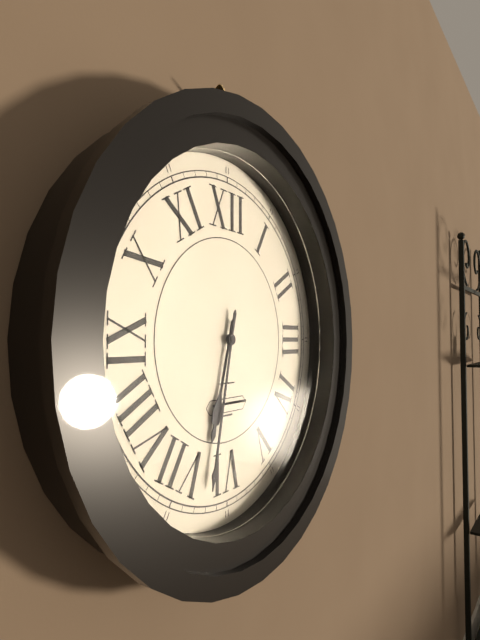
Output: 6h32
